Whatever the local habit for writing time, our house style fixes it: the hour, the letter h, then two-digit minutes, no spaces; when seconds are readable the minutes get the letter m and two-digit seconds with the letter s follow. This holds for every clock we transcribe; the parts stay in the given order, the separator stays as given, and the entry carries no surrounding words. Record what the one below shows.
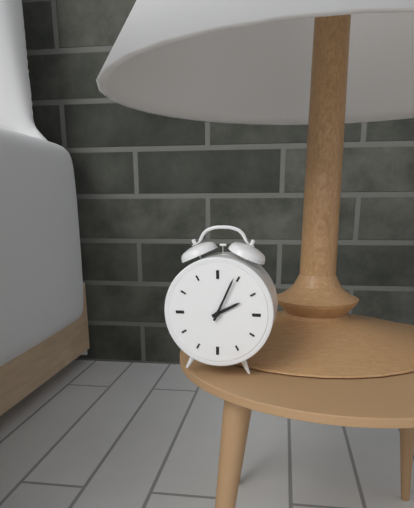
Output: 2h04
